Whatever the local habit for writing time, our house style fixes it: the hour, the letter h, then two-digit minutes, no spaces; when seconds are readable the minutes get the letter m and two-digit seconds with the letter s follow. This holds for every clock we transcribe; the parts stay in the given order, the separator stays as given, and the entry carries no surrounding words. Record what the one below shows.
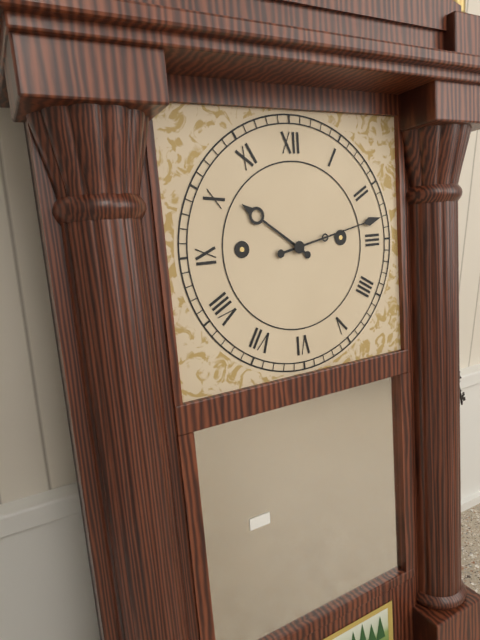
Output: 10h13
